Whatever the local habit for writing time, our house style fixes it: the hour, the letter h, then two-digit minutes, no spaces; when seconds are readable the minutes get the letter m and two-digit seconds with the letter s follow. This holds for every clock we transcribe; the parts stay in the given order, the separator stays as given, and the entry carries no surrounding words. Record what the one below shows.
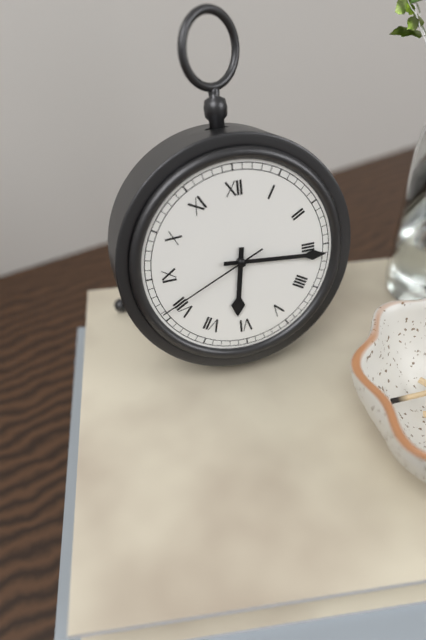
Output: 6h16m41s
